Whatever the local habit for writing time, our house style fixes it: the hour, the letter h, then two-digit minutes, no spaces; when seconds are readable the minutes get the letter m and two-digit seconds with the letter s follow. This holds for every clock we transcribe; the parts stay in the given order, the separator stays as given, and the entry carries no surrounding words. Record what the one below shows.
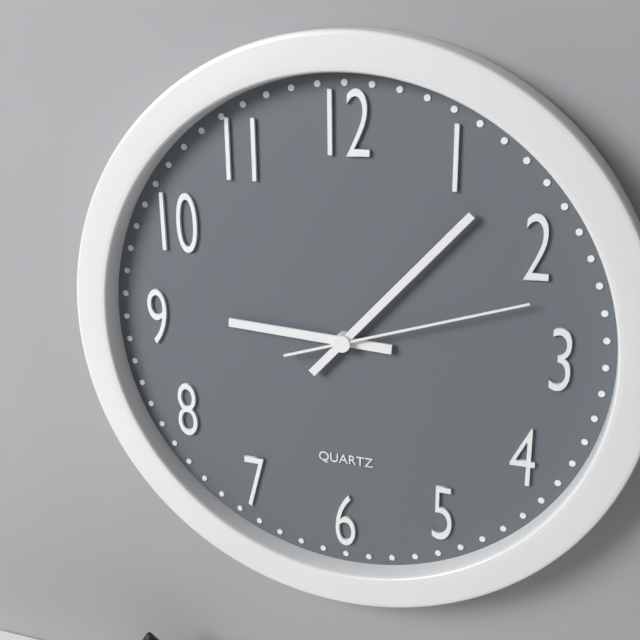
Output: 9h07m12s
